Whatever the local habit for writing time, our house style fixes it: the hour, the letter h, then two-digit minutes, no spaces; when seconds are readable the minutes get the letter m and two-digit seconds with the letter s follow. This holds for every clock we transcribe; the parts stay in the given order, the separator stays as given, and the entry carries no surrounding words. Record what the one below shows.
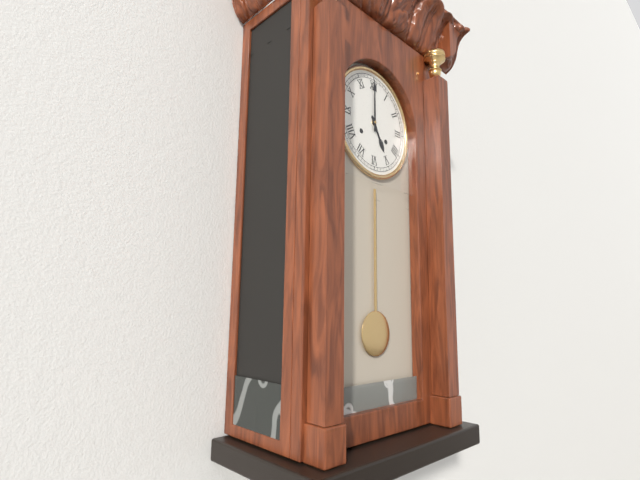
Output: 5h00
